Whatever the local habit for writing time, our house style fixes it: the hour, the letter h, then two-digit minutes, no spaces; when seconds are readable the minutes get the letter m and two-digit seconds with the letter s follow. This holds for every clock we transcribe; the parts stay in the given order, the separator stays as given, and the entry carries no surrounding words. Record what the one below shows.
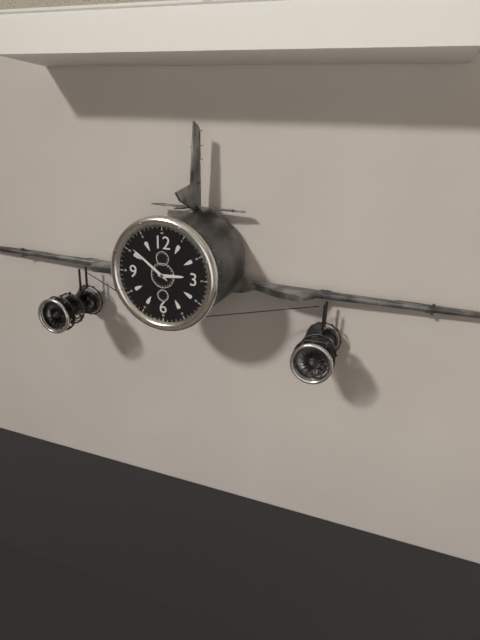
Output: 2h51
